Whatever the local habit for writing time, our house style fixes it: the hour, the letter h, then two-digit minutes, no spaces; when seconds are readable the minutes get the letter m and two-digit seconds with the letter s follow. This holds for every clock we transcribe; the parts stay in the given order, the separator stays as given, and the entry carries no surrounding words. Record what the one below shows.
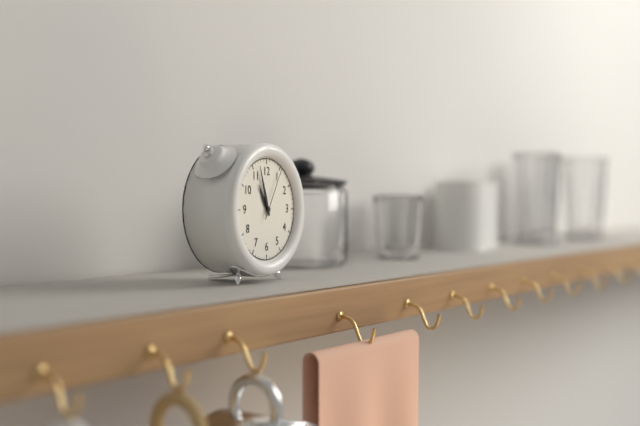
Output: 10h57m05s
